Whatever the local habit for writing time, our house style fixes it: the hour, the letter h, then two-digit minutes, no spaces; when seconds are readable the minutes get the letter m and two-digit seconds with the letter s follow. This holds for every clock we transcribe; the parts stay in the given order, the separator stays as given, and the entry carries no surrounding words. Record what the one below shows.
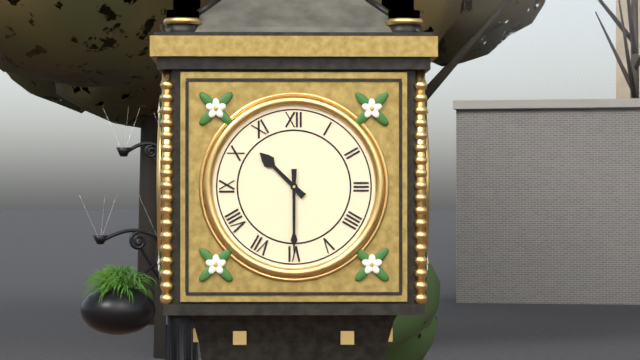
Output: 10h30
